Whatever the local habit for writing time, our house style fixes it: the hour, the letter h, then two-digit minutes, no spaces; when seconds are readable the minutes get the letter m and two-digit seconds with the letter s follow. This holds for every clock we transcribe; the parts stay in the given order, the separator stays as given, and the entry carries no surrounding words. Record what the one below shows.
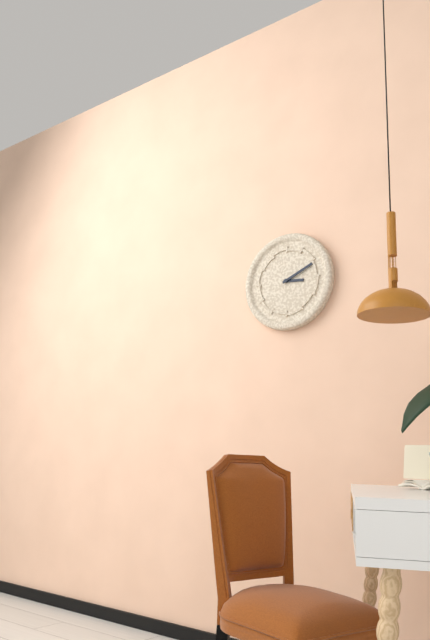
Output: 3h11
